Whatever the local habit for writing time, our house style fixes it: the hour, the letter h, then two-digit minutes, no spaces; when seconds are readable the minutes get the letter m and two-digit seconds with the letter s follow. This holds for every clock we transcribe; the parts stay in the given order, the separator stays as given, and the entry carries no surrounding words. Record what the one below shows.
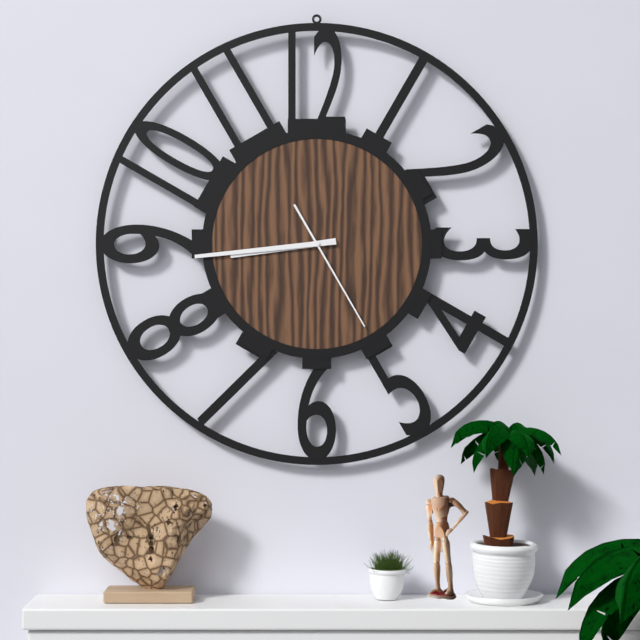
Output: 8h44m25s
